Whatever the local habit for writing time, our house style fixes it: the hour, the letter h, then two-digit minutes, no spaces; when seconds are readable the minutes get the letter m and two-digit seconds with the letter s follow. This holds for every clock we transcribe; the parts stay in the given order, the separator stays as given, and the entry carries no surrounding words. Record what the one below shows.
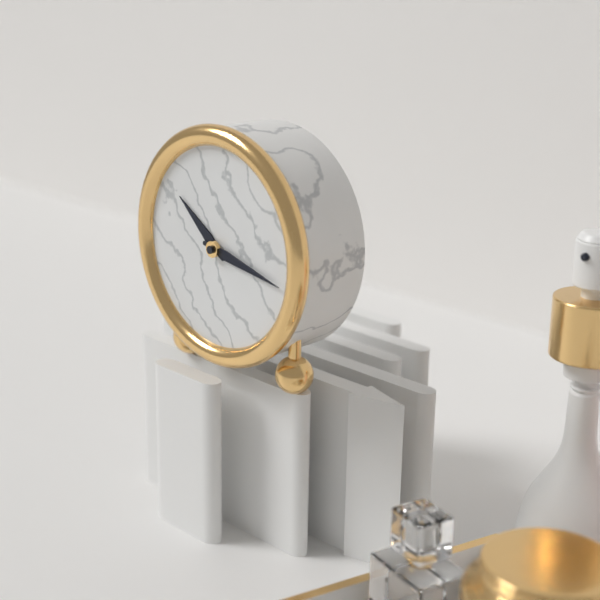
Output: 10h17
